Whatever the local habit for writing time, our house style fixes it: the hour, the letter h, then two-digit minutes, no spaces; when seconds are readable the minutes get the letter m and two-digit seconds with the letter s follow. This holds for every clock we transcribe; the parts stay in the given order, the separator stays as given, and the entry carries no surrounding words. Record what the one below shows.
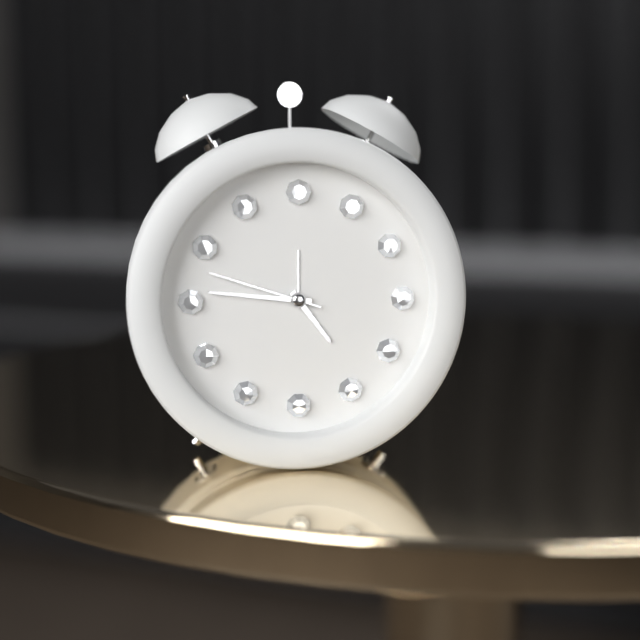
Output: 4h46m48s
